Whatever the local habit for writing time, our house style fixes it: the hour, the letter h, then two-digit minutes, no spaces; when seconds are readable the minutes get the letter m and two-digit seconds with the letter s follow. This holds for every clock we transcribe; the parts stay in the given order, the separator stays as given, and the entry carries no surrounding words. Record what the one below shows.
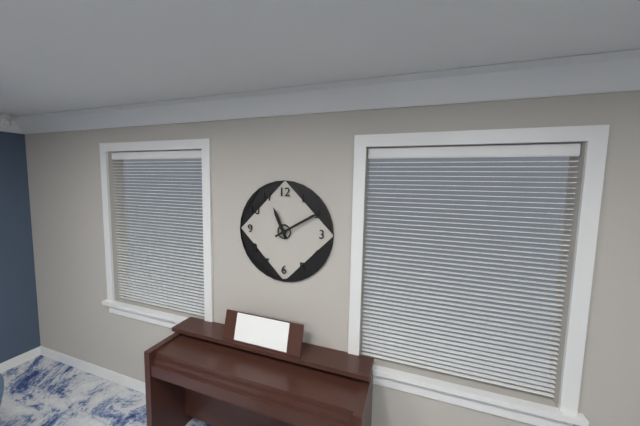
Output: 11h10
